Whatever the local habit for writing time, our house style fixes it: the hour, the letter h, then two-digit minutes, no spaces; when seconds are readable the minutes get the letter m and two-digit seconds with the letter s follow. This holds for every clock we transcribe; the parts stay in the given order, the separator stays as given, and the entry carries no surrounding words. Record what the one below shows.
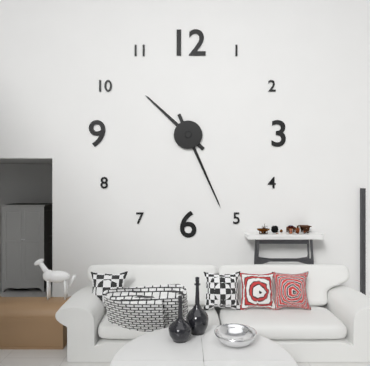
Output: 10h26
